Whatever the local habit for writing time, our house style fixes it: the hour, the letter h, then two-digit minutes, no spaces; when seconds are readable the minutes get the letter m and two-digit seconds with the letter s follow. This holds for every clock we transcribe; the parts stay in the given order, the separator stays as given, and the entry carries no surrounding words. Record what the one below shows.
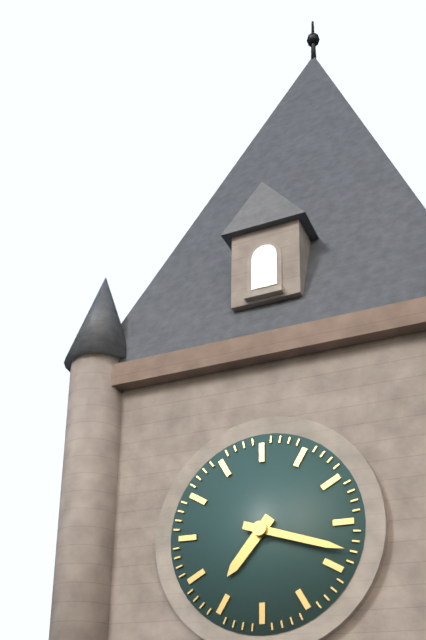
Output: 7h18
